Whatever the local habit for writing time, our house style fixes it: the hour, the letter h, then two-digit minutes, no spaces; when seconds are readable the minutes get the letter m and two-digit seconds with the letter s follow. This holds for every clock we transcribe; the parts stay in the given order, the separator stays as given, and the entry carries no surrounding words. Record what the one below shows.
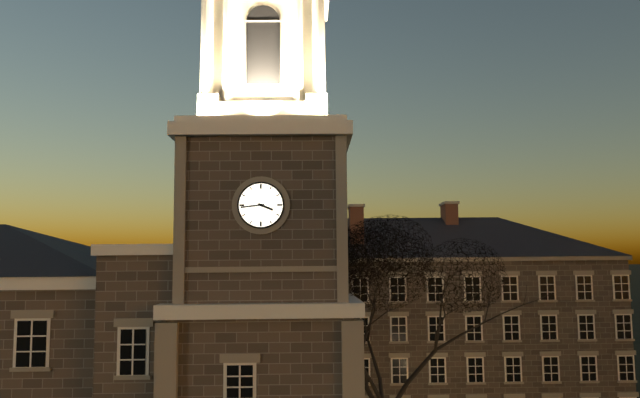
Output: 3h44
